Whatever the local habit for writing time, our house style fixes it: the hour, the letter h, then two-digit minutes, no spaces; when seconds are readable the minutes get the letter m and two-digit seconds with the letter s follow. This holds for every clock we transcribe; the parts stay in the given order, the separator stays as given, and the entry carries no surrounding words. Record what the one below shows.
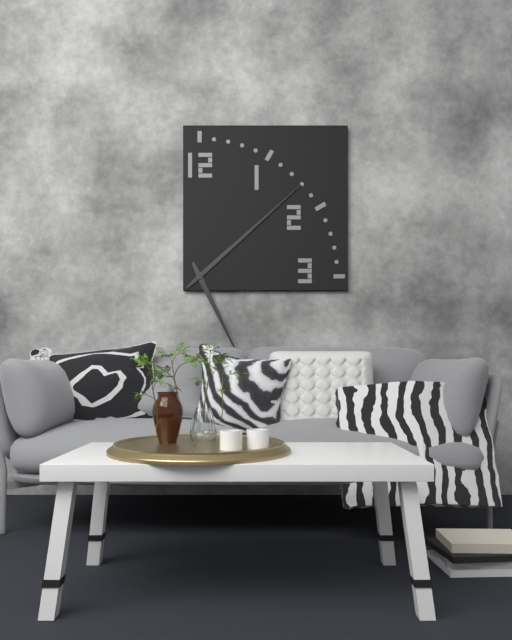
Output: 5h08
